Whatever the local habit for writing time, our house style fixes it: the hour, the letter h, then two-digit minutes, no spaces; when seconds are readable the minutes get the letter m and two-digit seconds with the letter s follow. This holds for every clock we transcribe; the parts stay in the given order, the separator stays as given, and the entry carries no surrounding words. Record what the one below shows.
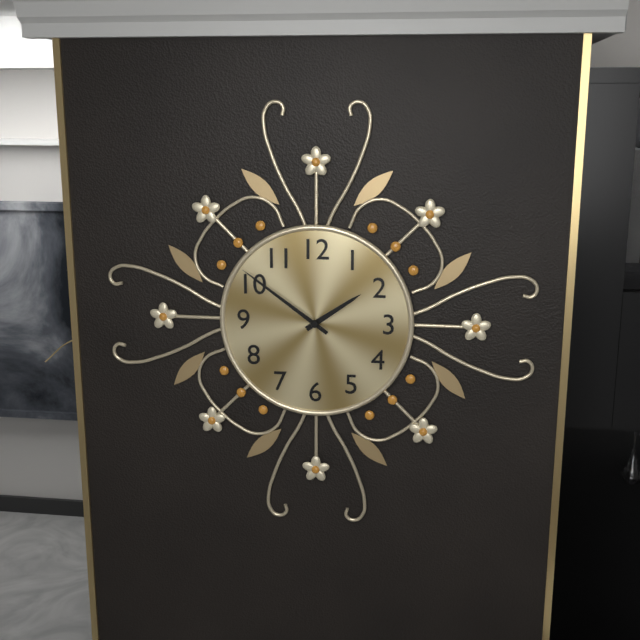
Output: 1h51
